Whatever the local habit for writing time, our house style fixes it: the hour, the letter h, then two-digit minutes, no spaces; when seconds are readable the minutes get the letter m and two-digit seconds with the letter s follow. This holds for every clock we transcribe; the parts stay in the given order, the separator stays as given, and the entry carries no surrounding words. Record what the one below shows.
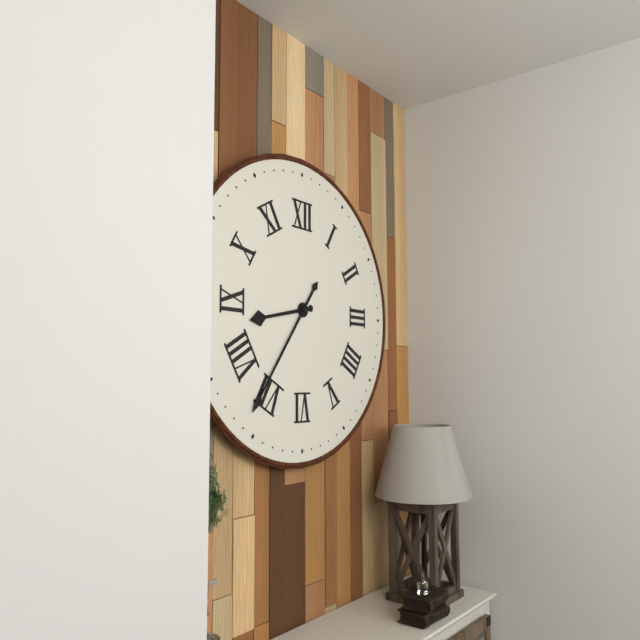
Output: 8h36
